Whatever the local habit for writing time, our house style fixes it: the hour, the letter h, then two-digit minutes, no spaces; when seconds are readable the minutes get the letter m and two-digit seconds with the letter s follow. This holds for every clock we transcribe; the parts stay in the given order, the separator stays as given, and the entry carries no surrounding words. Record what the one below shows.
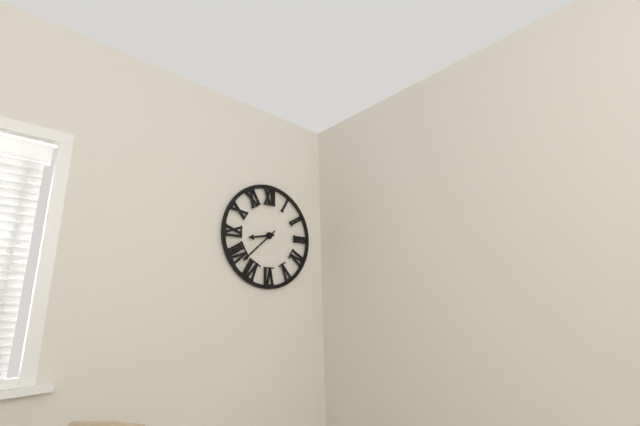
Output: 8h38
